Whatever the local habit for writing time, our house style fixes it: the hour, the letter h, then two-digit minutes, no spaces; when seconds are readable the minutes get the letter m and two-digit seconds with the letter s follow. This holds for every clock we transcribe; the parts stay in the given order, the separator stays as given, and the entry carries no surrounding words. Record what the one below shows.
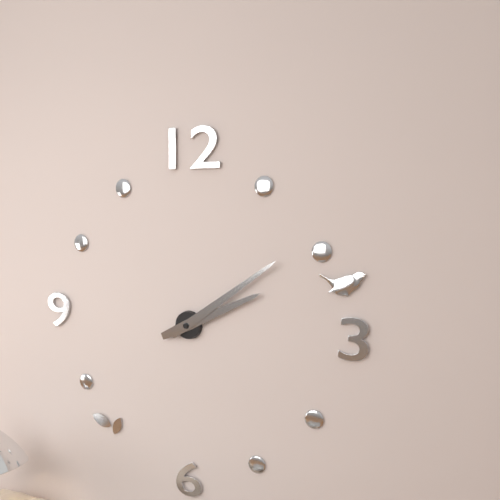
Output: 2h09
